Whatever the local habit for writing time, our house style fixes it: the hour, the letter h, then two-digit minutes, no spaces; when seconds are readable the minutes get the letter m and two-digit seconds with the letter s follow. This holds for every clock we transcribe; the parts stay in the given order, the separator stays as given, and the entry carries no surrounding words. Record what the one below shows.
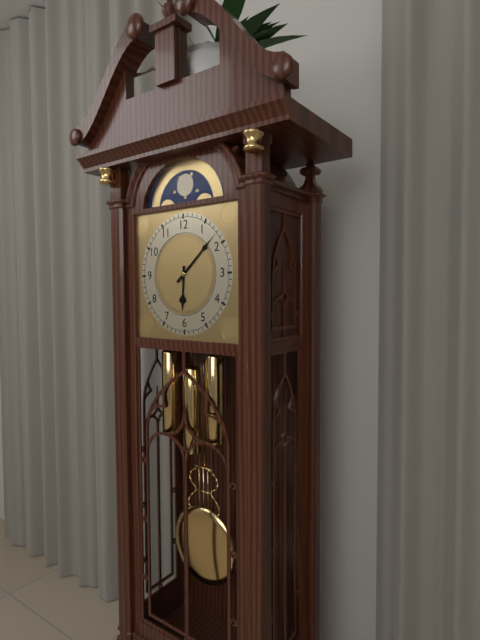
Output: 6h08
